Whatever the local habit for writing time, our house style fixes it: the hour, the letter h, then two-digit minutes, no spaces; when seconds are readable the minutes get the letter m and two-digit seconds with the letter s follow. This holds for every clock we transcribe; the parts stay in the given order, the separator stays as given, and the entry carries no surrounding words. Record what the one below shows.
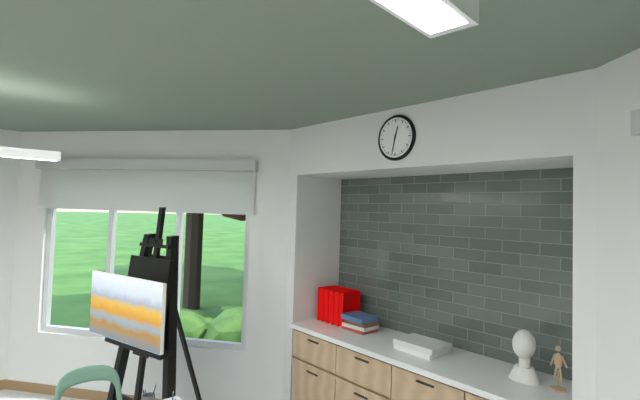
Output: 12h32
